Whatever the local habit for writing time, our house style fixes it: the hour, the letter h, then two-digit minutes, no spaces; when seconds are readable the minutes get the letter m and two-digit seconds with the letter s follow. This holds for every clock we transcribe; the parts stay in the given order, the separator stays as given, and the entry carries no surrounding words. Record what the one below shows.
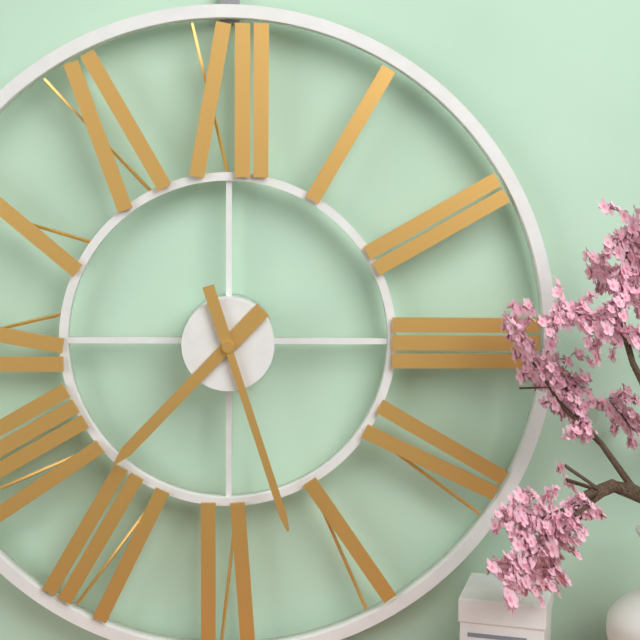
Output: 7h27
